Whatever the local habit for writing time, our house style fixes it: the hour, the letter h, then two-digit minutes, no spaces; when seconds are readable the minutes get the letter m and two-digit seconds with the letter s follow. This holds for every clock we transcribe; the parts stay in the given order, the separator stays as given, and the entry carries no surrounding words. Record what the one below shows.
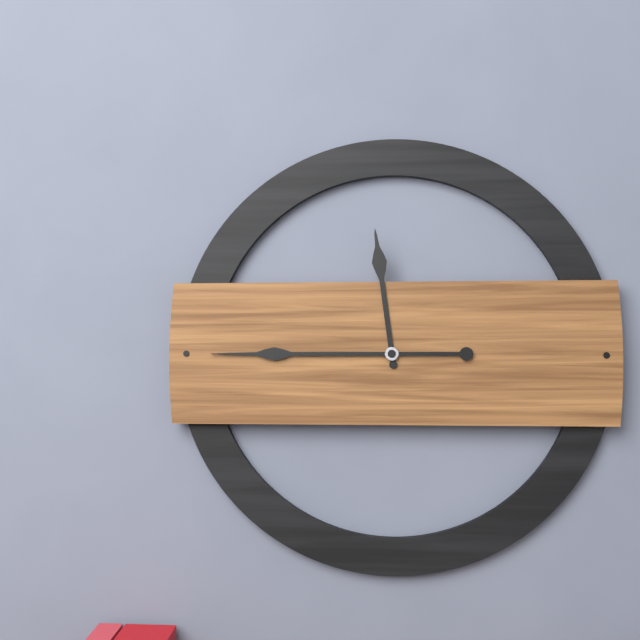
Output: 11h45
